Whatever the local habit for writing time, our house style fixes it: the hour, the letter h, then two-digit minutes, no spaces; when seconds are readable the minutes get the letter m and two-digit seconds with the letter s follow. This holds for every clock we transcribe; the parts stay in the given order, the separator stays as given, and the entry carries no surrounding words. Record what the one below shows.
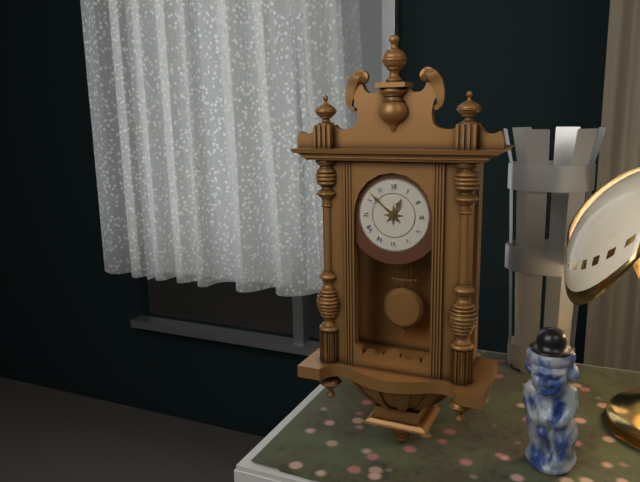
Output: 12h52
